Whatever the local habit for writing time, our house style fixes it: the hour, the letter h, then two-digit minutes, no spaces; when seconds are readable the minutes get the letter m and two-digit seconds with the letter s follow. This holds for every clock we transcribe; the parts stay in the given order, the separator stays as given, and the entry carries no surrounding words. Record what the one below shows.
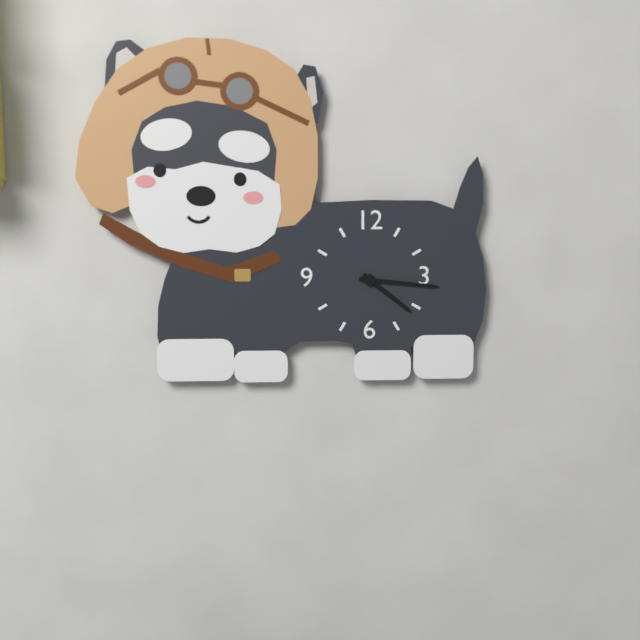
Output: 4h16
